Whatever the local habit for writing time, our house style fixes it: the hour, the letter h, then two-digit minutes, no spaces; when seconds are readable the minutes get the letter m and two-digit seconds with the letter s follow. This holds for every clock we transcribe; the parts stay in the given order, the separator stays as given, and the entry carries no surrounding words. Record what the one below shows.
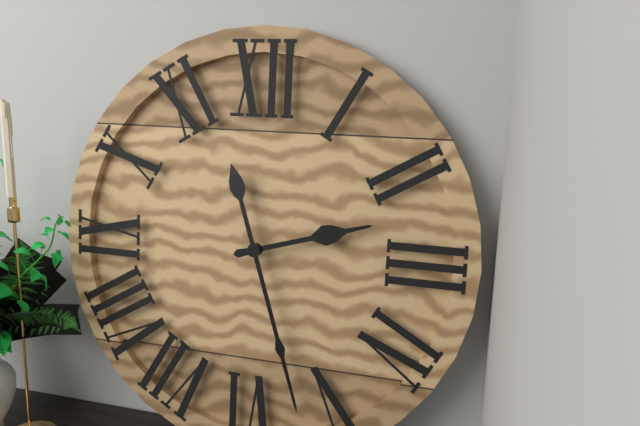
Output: 2h27
